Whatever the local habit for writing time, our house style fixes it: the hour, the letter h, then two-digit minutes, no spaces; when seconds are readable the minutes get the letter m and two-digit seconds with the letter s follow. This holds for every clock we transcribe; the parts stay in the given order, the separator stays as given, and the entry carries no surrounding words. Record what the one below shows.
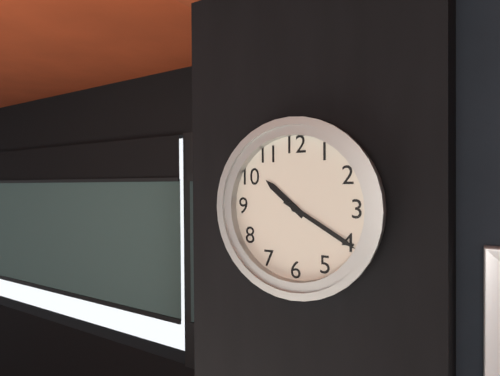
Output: 10h20
